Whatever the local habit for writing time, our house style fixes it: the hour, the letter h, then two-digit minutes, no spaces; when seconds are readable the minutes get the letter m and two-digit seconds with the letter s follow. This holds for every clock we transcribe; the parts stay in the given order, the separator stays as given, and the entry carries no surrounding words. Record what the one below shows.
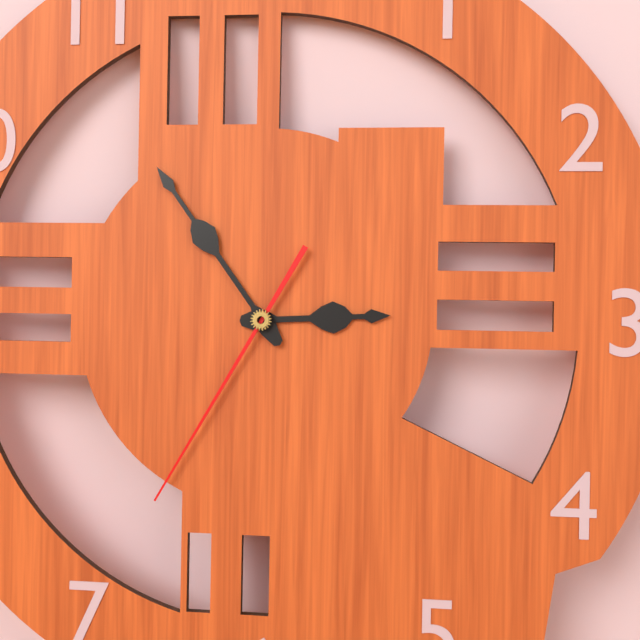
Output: 2h54m35s
